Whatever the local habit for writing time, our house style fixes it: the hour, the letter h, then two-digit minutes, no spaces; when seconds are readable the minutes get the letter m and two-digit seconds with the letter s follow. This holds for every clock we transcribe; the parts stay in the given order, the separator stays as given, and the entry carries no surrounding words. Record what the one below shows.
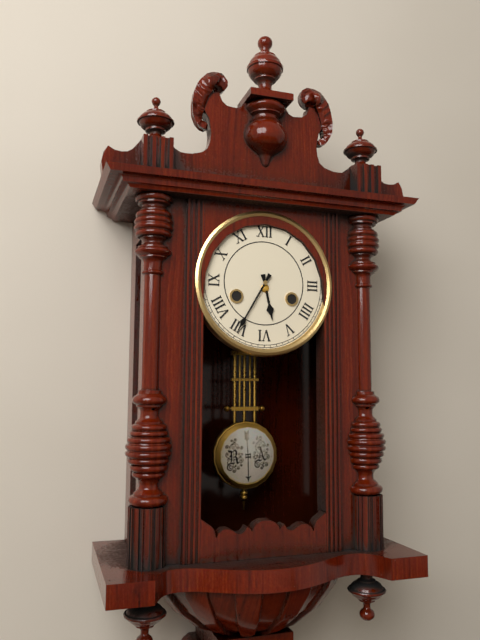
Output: 5h35
